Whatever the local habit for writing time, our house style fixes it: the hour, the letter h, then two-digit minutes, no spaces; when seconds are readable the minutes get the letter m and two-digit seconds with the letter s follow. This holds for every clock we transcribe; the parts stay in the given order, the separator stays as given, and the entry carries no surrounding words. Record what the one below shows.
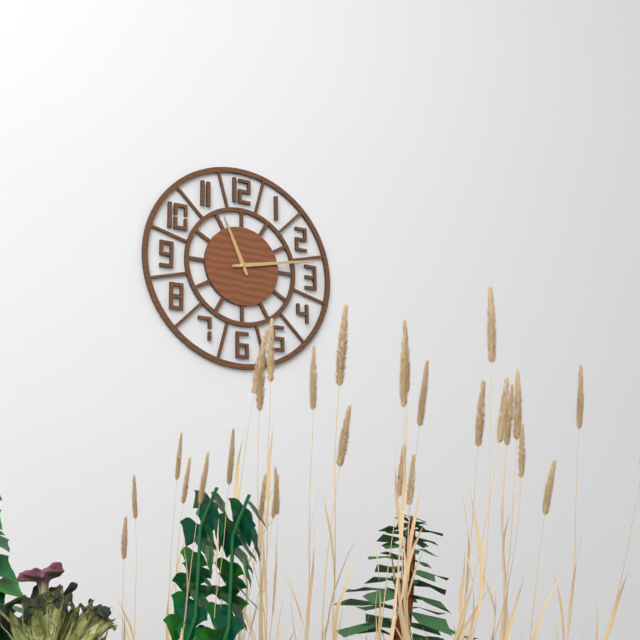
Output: 11h13
